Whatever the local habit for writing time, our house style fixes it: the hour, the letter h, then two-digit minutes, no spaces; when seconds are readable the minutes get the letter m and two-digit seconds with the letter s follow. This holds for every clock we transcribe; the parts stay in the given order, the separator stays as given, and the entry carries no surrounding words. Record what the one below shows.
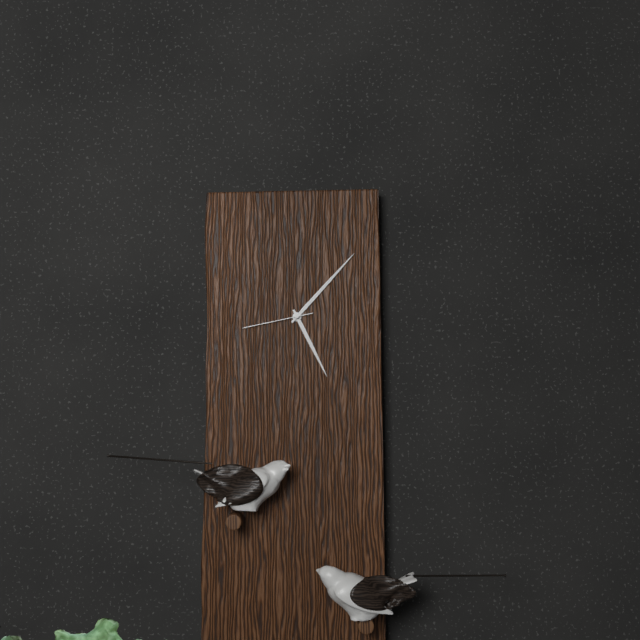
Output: 5h07m43s
